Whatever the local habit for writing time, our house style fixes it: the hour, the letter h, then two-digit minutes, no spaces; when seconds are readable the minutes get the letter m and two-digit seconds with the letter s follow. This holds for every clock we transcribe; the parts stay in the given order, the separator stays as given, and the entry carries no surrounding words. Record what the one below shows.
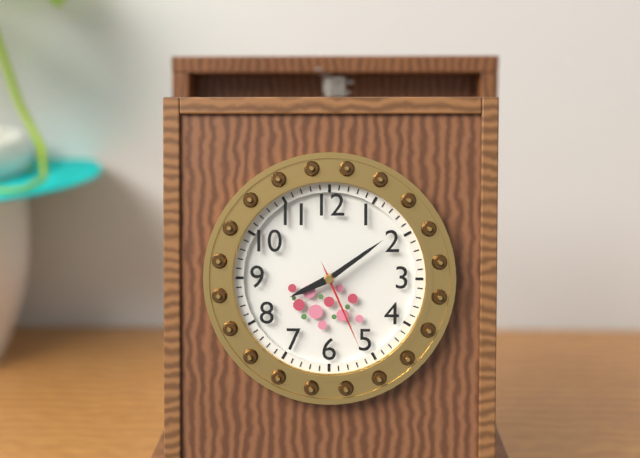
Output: 8h09m26s
